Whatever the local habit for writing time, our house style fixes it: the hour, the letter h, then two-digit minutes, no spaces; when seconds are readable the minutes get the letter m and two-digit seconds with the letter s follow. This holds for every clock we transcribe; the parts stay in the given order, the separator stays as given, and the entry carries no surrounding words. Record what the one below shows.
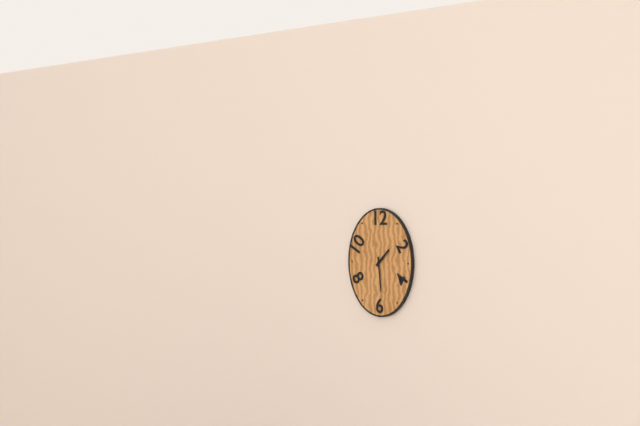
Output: 1h29
